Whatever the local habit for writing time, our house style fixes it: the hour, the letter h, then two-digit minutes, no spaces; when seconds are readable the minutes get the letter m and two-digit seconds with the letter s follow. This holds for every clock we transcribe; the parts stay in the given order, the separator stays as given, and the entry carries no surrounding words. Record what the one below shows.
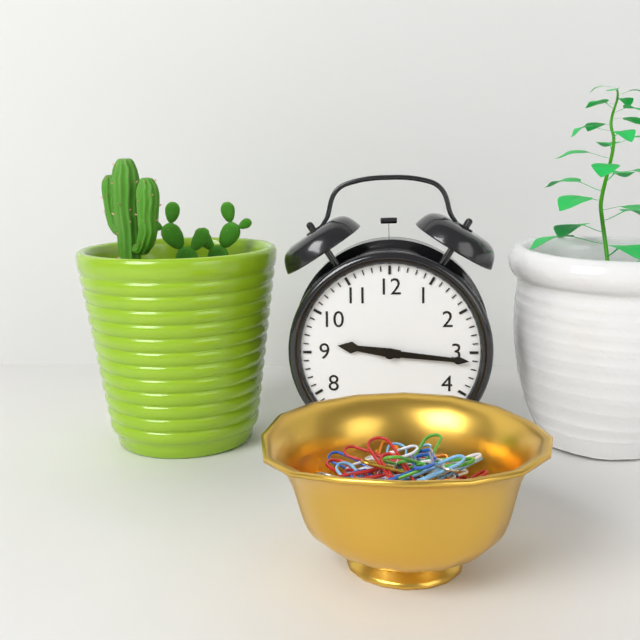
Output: 9h16
